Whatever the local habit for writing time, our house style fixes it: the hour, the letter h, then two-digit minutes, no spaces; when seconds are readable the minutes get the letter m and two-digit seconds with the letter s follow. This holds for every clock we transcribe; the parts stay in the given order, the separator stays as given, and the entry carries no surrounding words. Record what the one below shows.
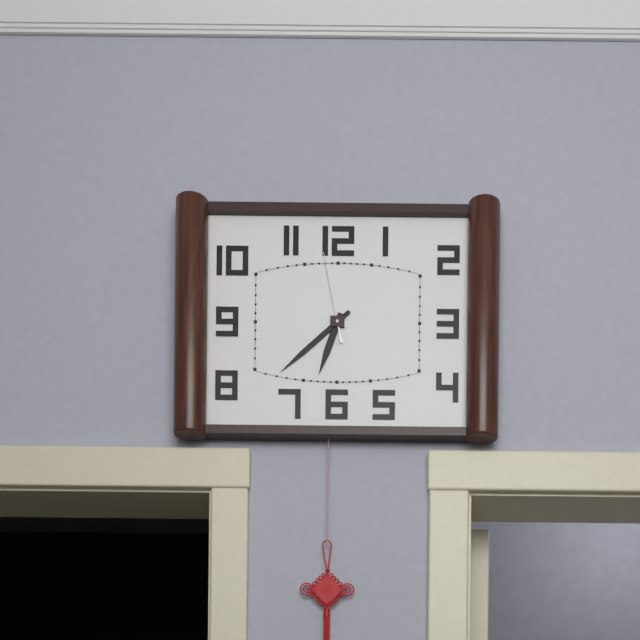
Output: 6h38m58s
